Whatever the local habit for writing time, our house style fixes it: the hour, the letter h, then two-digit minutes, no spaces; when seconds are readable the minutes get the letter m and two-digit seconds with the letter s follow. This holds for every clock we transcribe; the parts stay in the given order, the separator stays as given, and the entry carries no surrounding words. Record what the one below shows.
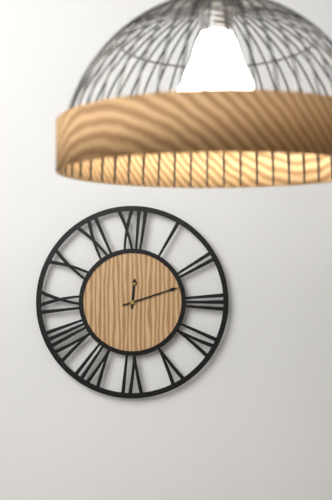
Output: 12h12
